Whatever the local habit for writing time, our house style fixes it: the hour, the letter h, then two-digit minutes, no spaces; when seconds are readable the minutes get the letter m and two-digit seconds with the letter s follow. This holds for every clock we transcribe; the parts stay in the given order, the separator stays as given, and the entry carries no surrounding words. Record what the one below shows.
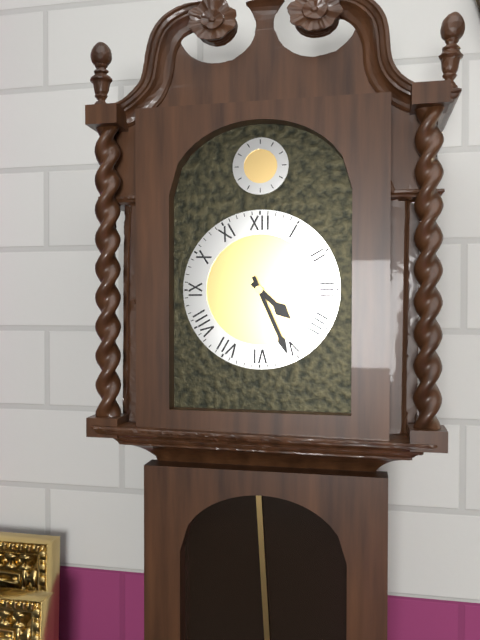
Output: 4h26
